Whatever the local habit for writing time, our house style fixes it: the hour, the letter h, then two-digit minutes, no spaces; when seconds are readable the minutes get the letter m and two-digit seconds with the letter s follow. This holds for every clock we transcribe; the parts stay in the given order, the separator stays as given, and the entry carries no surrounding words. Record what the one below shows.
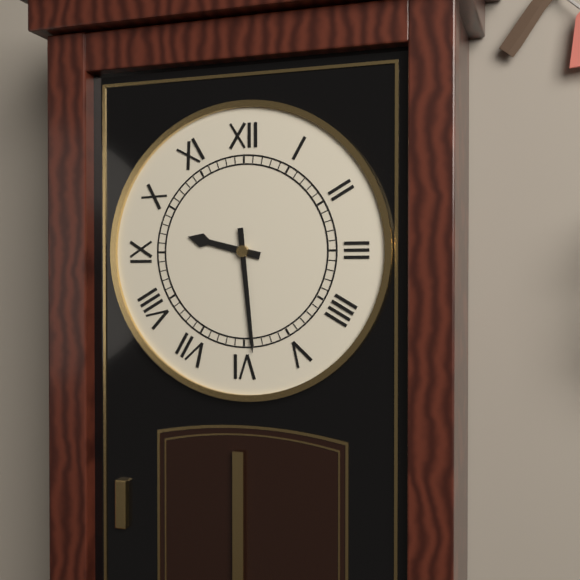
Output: 9h29
